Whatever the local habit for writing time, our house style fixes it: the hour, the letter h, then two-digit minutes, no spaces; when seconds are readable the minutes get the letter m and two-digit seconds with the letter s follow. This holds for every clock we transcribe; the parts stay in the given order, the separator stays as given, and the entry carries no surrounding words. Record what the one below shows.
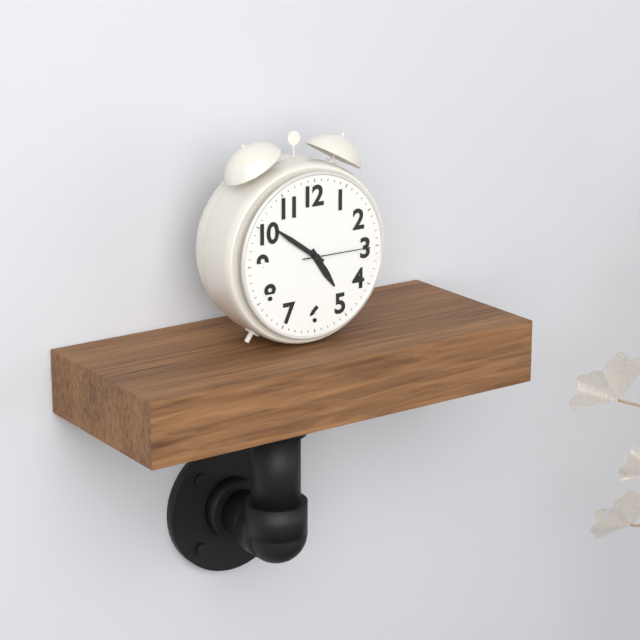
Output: 4h51m15s
